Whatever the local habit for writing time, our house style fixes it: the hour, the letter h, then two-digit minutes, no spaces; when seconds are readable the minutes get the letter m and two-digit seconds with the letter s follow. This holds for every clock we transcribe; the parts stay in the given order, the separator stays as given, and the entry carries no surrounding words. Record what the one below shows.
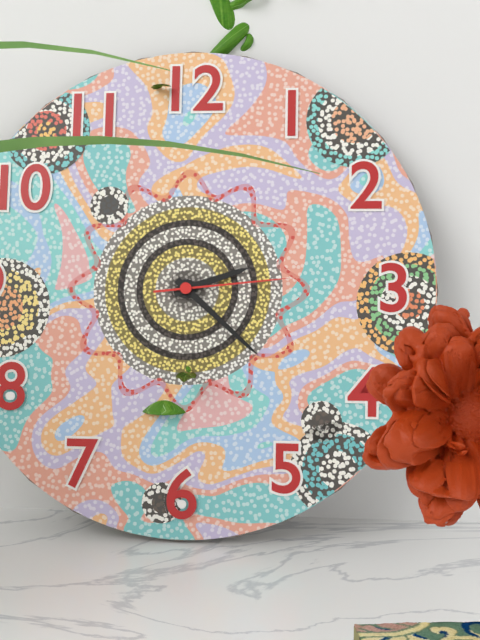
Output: 2h22m14s
